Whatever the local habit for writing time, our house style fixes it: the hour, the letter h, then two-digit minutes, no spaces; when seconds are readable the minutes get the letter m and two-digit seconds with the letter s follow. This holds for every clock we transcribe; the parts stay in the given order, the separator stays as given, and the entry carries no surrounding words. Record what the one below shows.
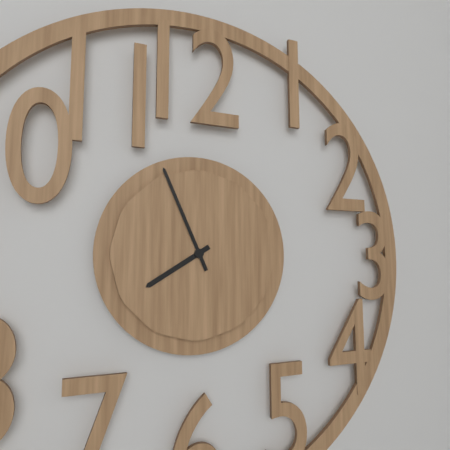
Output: 7h56
